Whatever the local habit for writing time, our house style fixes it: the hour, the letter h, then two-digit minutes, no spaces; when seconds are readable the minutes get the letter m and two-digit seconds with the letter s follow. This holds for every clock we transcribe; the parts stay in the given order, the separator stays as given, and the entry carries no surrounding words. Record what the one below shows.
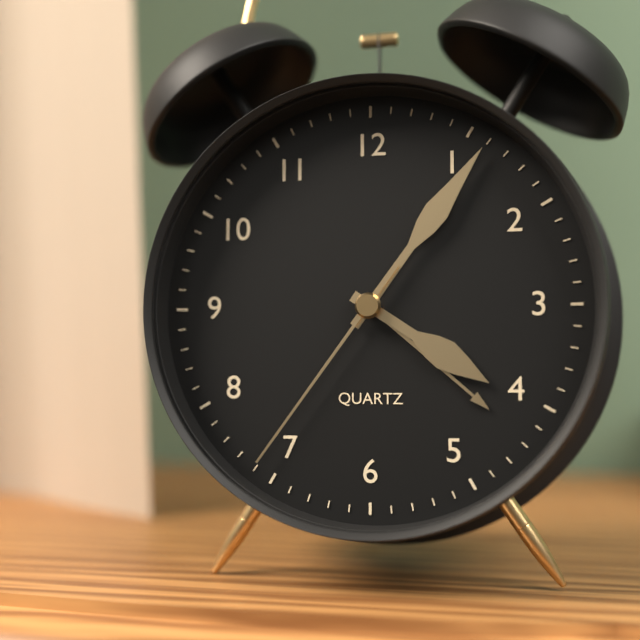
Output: 4h06m36s
